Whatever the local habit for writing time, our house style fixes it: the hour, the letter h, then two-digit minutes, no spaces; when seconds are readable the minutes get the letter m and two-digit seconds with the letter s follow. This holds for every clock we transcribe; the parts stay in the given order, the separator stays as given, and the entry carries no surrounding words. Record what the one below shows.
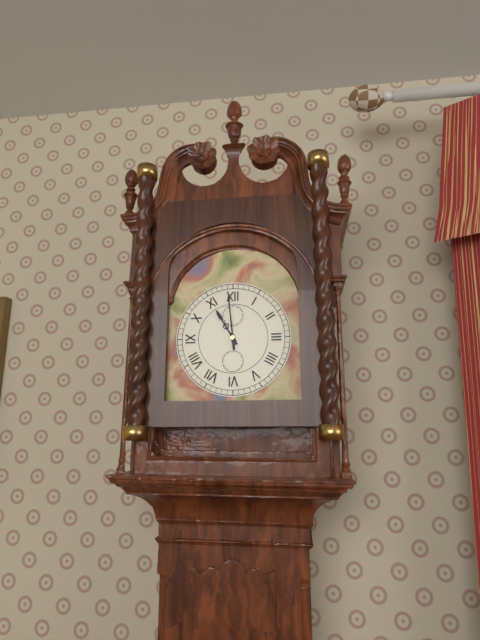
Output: 10h59
